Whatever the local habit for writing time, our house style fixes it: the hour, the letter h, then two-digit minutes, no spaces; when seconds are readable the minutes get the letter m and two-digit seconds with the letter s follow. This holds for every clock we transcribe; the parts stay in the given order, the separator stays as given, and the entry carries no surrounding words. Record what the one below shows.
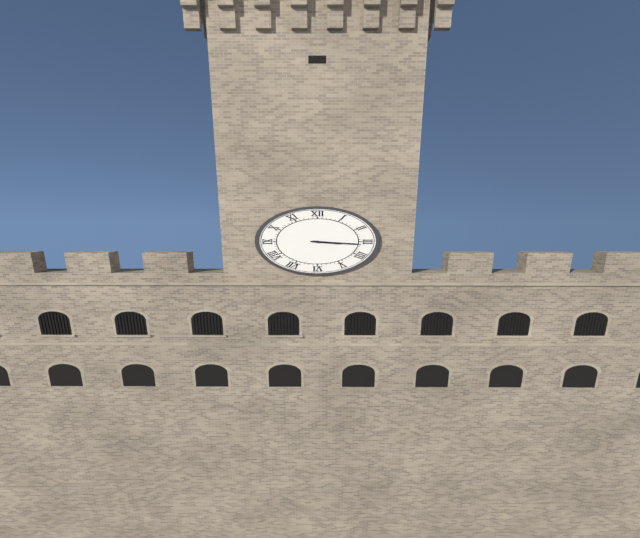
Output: 3h16
